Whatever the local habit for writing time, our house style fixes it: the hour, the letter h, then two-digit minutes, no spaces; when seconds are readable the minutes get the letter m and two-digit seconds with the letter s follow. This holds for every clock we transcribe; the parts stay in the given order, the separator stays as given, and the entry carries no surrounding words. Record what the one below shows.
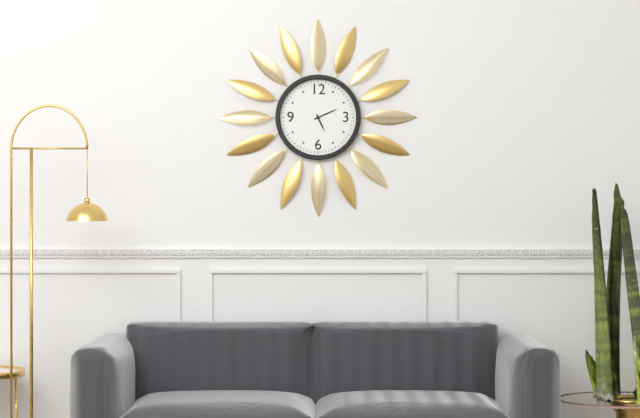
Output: 5h11
